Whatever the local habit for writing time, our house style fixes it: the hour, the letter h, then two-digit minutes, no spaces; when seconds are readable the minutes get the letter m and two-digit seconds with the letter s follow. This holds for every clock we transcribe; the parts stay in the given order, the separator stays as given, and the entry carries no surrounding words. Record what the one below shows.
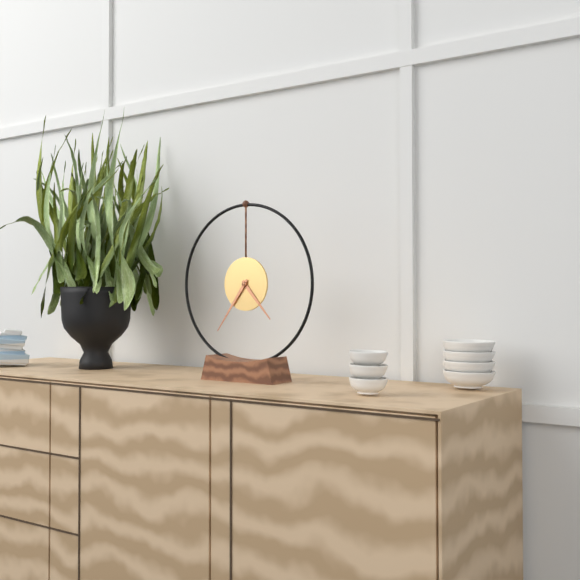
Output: 4h36
